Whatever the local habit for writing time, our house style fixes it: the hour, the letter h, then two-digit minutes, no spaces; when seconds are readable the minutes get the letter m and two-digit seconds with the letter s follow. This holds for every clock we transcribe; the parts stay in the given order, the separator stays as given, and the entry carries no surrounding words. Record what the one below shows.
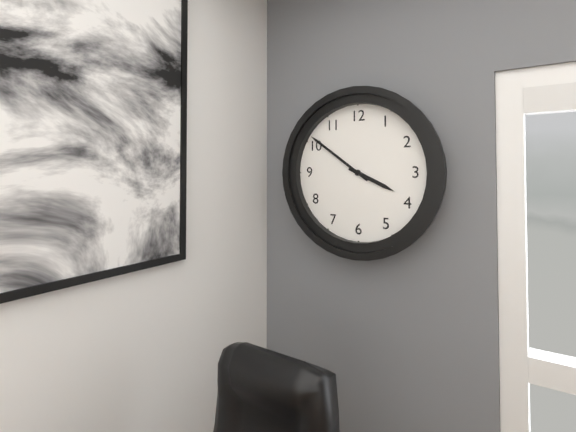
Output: 3h51
